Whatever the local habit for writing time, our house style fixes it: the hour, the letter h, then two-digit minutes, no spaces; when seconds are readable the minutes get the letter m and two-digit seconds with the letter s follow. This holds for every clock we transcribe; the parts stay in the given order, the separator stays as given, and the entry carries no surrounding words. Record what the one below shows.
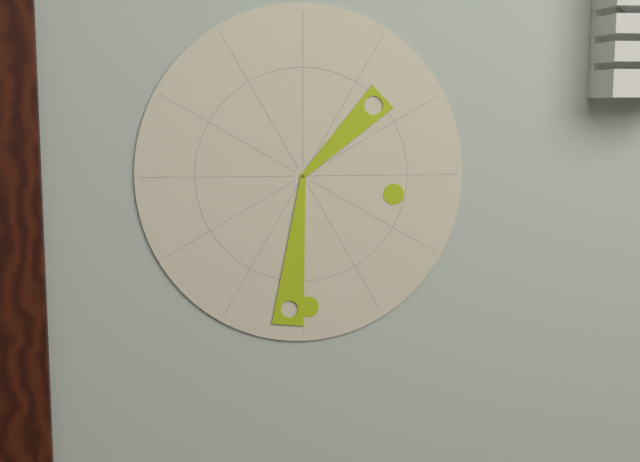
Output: 1h31
